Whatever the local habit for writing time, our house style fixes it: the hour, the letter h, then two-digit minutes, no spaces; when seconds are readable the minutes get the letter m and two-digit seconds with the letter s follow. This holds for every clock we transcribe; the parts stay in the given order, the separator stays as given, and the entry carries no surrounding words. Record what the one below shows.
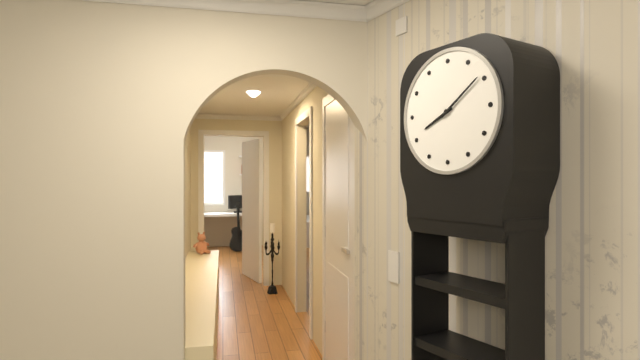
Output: 8h09
